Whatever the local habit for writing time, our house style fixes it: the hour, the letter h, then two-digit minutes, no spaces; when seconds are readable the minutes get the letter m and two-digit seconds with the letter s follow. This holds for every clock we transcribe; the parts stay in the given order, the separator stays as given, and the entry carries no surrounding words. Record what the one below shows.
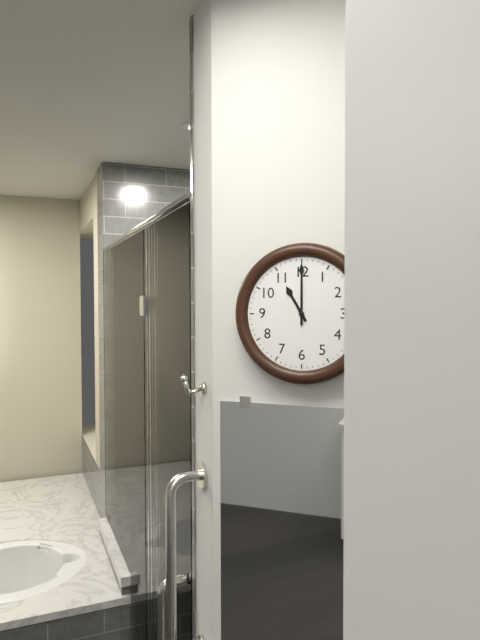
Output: 11h00
